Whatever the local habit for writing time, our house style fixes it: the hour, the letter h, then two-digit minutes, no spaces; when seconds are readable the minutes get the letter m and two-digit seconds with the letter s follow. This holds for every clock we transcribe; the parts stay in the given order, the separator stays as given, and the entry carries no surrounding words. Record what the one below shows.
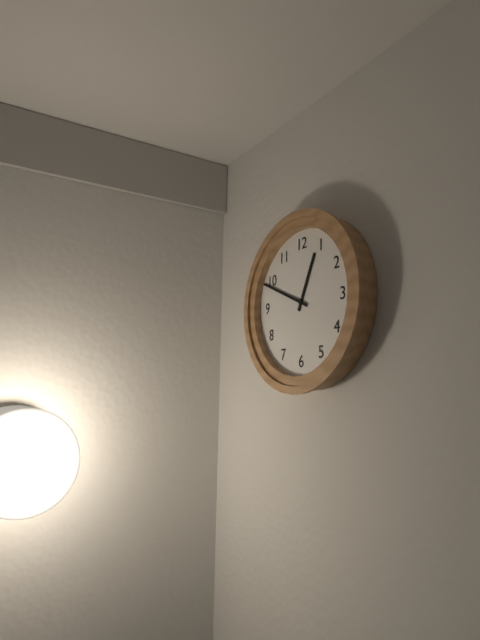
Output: 12h49
